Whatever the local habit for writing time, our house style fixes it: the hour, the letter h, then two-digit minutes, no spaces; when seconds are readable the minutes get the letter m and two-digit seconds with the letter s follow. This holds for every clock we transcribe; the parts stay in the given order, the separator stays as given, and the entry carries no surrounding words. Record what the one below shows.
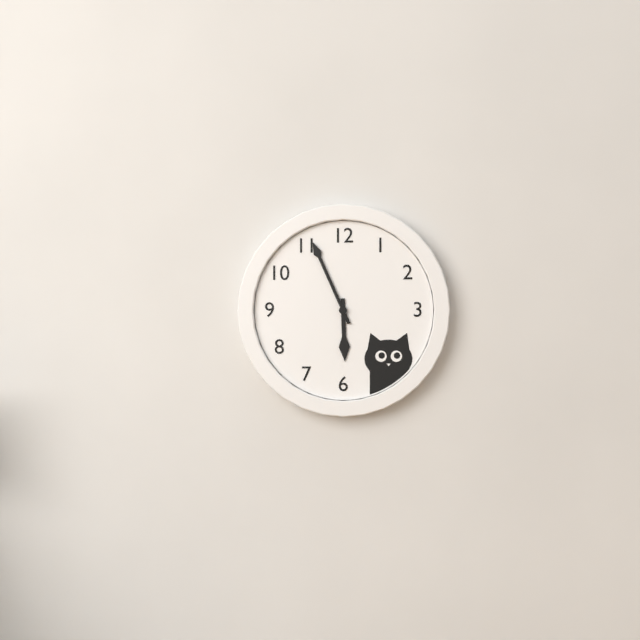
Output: 5h56
